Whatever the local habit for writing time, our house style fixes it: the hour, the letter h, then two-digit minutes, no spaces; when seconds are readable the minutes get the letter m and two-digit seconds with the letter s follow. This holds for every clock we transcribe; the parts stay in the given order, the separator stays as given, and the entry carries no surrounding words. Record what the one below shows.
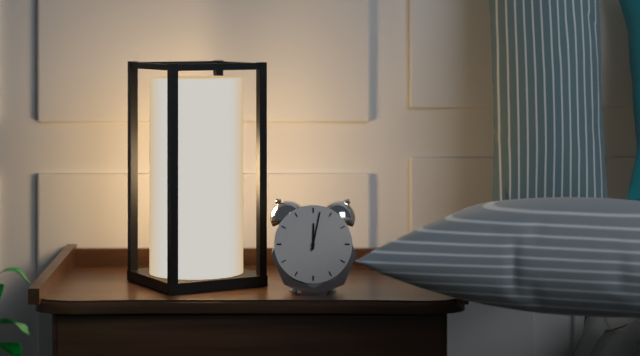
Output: 12h02
